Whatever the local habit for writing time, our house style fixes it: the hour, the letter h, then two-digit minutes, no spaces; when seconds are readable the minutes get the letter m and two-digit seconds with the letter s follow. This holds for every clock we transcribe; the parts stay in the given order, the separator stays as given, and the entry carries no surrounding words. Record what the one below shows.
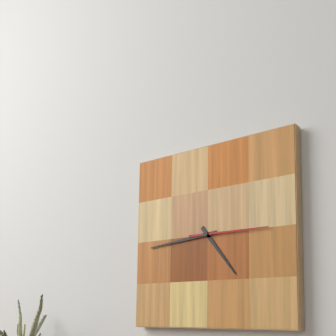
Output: 4h44m15s
